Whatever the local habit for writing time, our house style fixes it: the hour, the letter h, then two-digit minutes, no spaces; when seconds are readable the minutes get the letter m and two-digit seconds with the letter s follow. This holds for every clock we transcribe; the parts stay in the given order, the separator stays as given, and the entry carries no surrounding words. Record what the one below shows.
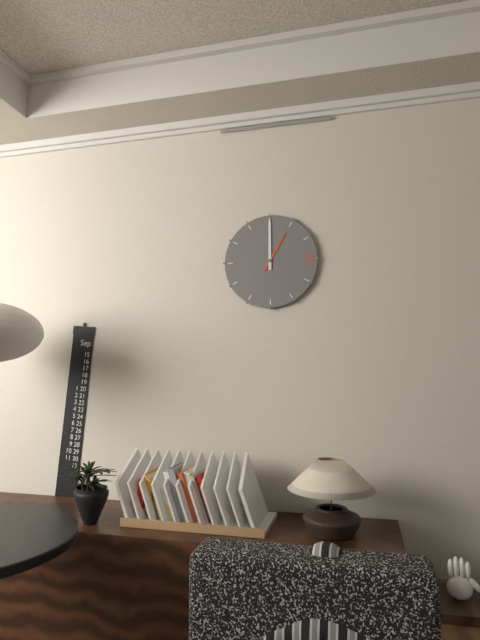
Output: 1h00
